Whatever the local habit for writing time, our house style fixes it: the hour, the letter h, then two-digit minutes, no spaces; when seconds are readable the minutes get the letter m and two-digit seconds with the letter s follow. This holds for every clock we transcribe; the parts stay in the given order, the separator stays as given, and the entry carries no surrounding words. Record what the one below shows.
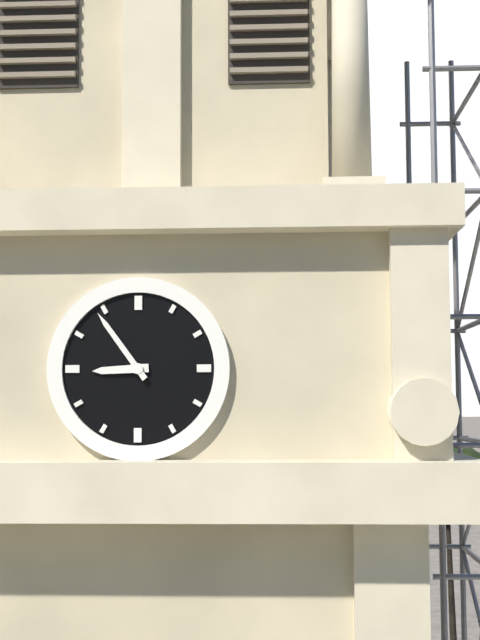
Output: 8h54
